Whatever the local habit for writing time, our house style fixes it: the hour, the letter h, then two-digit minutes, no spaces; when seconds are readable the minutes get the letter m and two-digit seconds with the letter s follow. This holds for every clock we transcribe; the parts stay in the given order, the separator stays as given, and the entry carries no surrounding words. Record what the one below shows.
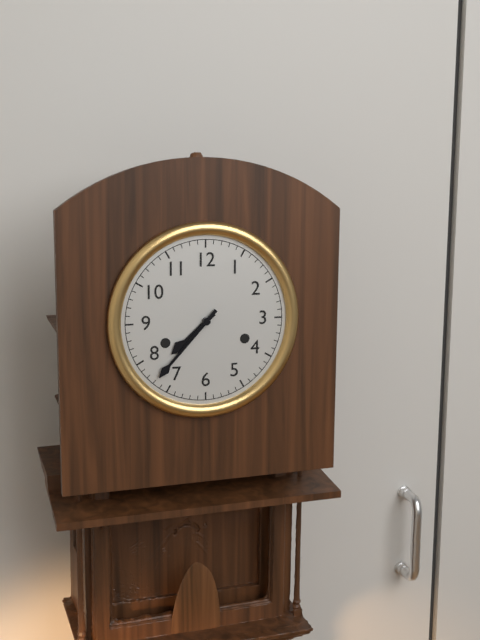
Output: 7h37
